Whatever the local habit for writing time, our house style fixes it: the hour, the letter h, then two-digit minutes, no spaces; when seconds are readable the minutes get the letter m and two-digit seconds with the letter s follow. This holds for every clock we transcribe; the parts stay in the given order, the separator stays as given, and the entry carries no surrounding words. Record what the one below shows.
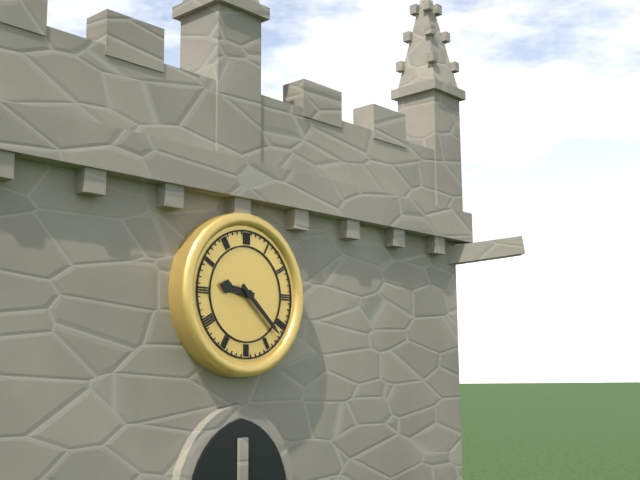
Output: 9h22
